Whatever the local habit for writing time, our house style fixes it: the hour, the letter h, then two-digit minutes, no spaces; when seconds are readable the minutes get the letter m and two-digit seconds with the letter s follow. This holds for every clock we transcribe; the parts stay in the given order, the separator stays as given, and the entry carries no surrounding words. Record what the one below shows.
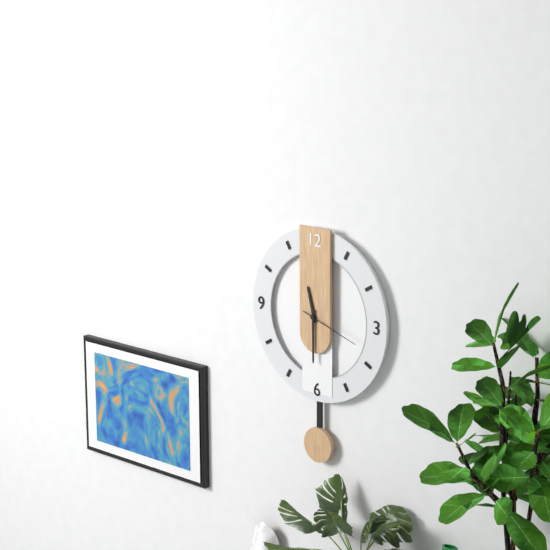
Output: 11h30m18s
